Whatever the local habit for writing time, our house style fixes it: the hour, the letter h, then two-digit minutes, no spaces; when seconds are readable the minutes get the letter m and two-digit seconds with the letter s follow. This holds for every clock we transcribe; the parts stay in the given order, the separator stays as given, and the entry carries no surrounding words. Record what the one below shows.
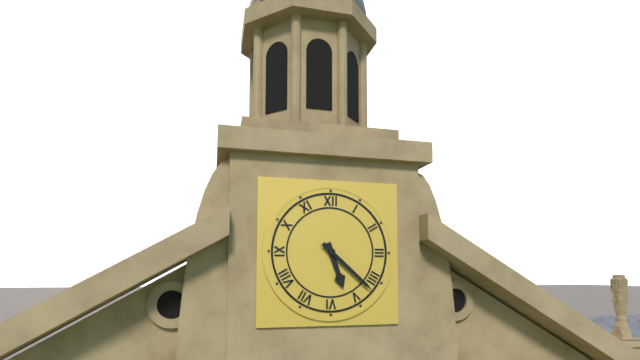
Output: 5h22
